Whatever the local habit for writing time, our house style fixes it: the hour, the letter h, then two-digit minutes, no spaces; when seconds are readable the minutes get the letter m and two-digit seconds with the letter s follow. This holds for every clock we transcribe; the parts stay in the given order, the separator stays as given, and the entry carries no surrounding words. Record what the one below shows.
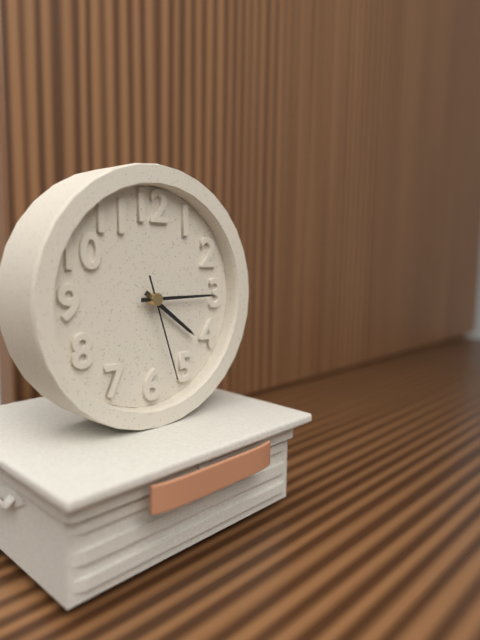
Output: 4h15m27s
